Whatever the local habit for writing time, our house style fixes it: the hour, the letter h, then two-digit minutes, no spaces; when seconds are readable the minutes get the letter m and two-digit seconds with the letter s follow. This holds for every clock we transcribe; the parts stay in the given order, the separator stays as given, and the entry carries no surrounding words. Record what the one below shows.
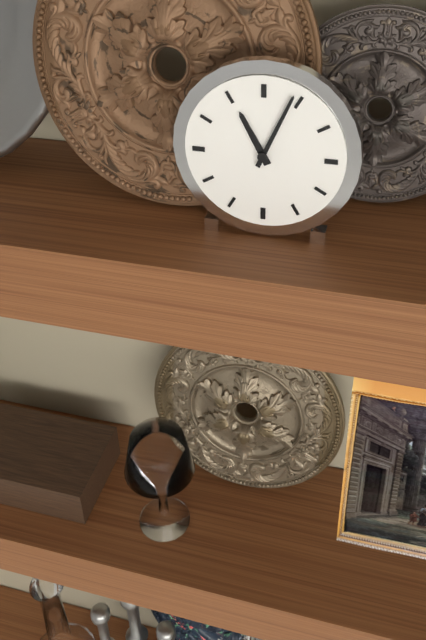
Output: 11h04
